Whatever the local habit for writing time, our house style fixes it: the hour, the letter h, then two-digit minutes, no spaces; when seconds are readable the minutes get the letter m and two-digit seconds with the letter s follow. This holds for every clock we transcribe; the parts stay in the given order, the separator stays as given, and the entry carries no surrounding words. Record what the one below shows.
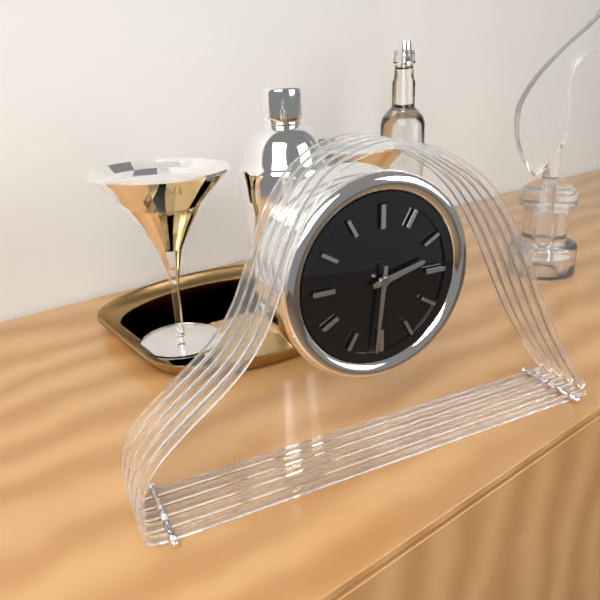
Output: 2h31
